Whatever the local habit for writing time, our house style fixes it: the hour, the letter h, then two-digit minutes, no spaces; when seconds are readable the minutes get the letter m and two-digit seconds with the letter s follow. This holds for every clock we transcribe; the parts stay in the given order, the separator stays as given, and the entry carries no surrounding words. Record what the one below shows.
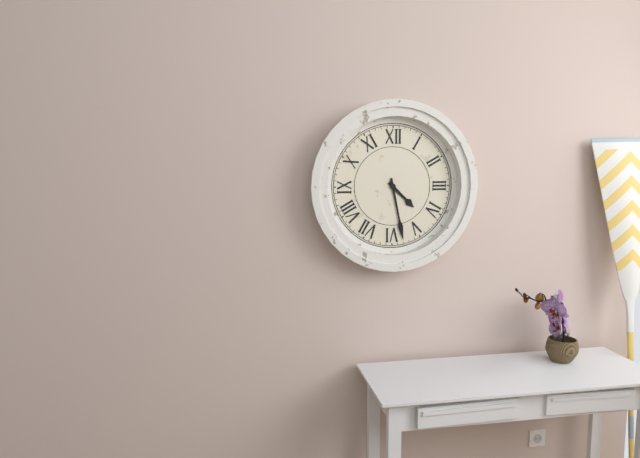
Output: 4h28
